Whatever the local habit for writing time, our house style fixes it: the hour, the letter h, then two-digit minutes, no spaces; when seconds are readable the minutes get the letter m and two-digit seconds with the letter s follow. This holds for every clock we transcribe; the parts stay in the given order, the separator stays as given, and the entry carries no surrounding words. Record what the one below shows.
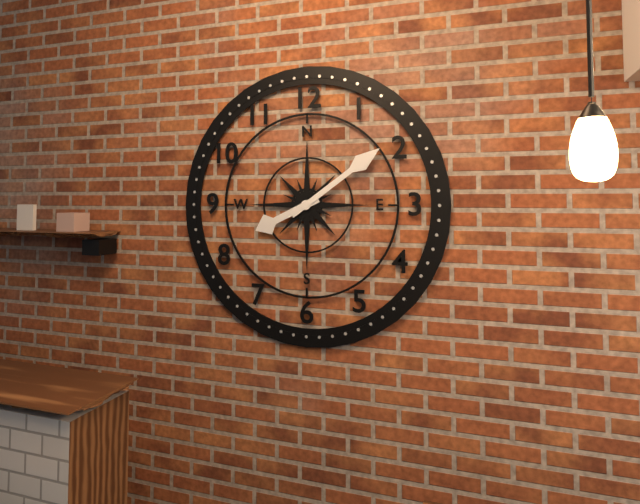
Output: 8h09
